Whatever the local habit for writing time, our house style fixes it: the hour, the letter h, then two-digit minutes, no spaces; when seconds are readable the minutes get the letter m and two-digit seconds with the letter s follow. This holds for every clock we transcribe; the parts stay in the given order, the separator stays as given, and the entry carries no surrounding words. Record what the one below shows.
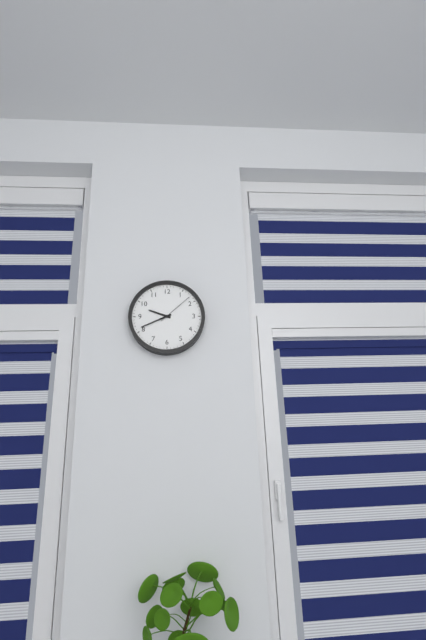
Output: 9h41
